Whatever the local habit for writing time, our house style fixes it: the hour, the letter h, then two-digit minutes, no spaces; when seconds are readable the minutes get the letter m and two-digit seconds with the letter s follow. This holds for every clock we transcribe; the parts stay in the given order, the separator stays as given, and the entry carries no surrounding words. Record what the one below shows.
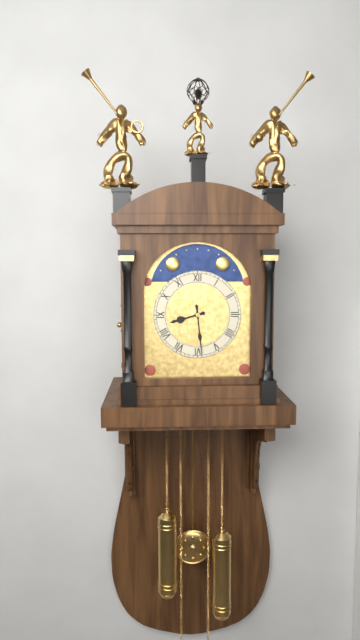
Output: 8h29
